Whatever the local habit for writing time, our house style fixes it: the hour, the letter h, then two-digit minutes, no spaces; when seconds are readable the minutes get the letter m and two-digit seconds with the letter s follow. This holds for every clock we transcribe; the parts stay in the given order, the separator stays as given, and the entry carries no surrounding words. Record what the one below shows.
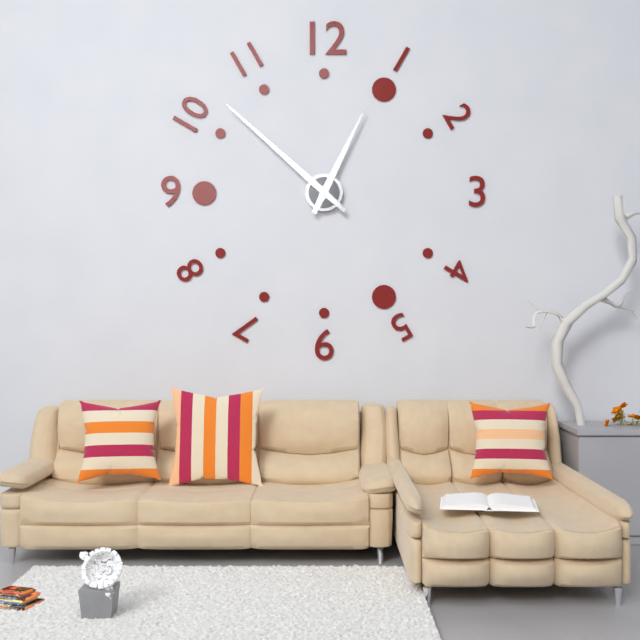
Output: 12h52
